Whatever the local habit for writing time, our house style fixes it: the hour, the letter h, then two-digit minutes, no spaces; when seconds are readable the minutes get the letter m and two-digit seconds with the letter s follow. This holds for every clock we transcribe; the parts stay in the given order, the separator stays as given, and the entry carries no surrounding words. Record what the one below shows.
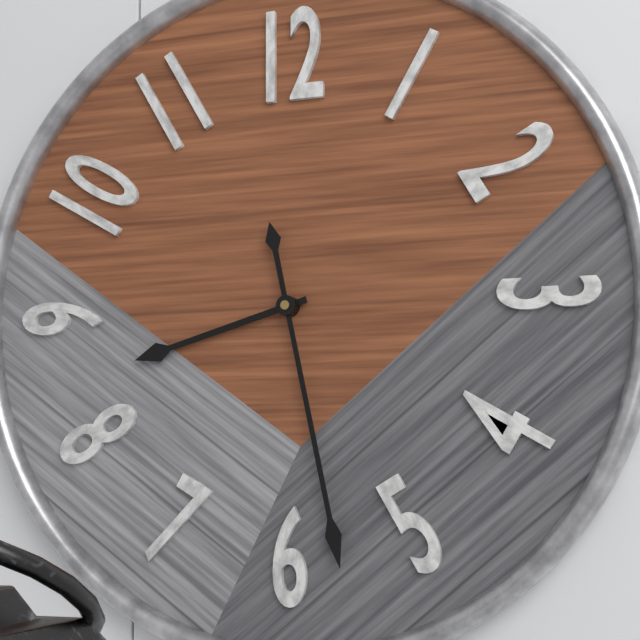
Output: 8h28
